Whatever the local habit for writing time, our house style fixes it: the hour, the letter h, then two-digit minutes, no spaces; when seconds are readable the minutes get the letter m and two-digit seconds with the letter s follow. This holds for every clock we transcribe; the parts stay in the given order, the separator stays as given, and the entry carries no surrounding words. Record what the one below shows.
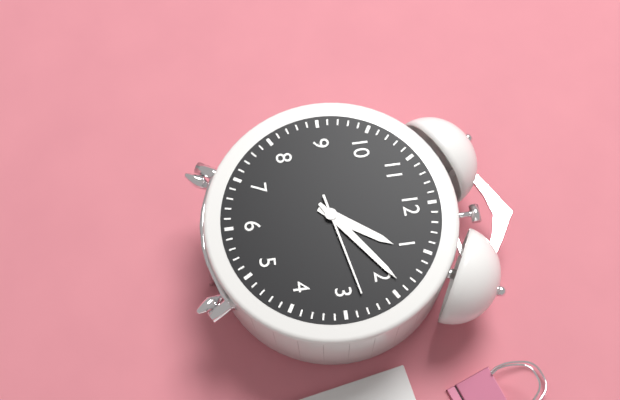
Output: 1h09m13s
